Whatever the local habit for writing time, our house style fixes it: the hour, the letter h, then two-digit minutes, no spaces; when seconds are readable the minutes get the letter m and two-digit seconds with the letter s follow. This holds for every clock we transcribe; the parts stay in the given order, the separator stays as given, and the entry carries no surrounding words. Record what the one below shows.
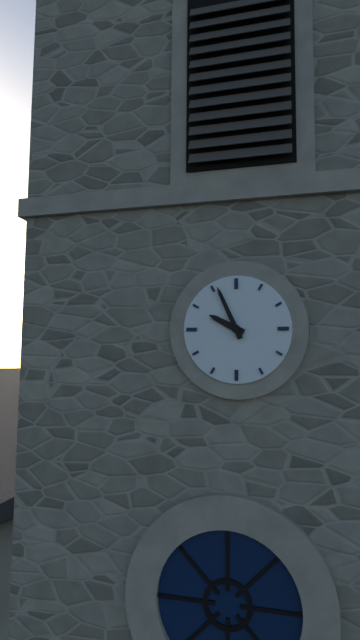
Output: 9h56
